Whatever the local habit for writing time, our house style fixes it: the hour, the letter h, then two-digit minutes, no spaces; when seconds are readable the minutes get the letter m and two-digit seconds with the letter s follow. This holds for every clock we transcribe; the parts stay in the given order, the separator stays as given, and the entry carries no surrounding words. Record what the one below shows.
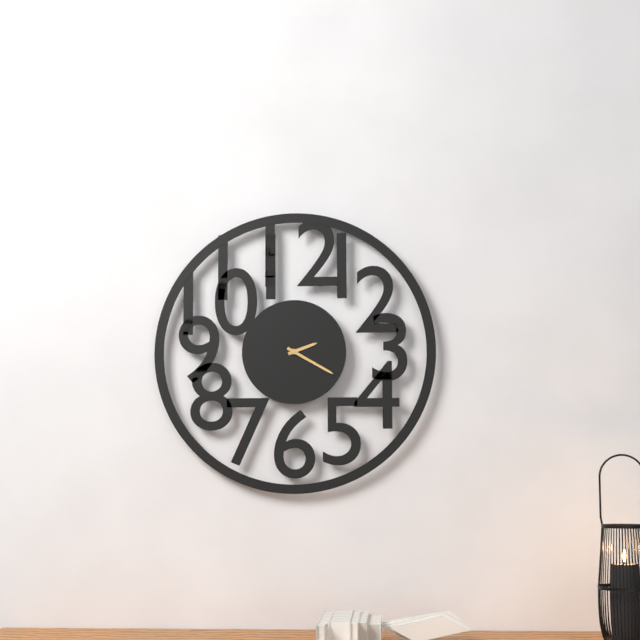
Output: 2h20
